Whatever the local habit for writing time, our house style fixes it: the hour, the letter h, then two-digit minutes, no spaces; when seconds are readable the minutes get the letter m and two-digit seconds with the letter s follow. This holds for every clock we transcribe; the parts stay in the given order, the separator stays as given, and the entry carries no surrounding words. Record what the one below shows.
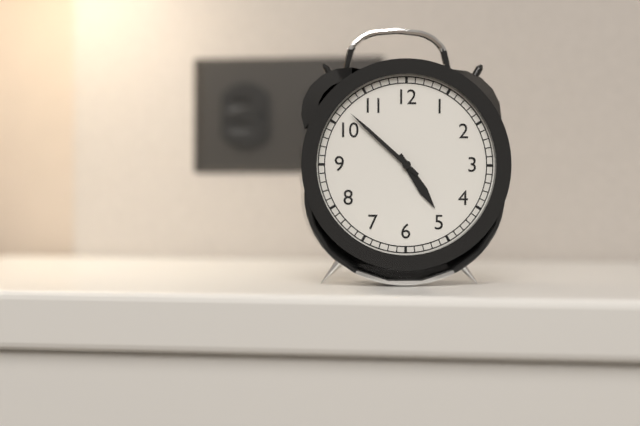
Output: 4h52
